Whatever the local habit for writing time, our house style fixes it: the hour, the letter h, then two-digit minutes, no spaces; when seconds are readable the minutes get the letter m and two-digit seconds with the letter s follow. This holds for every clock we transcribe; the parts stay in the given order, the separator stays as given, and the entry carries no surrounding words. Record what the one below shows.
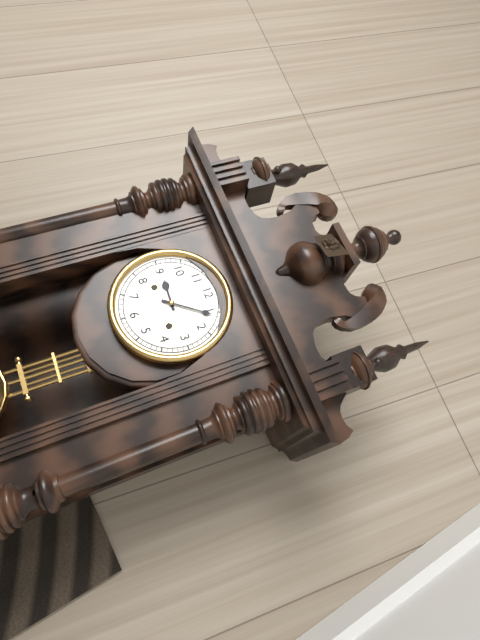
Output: 9h06
